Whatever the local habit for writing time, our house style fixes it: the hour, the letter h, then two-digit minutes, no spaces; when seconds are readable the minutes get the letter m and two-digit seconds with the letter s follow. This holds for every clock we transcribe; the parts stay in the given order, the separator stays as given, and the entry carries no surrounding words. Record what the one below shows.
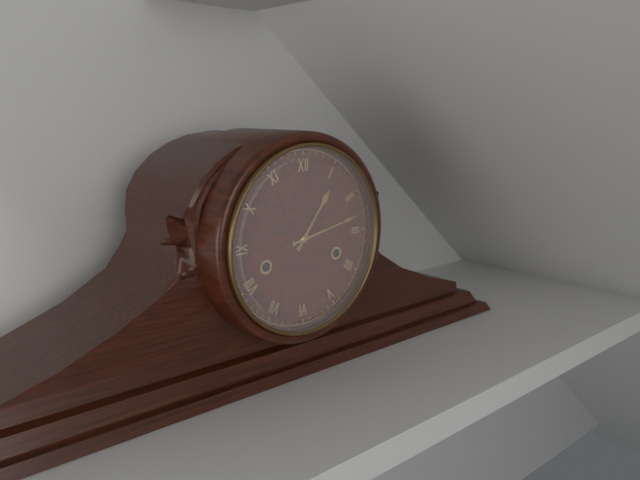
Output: 1h13
